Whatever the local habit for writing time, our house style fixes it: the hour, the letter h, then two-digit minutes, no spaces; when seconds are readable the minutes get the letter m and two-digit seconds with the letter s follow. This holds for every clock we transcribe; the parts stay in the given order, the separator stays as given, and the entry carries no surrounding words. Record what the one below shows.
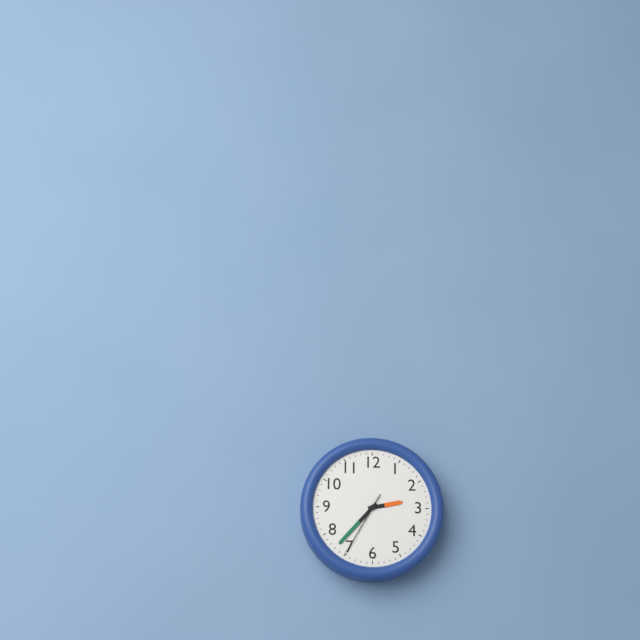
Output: 2h37m35s
